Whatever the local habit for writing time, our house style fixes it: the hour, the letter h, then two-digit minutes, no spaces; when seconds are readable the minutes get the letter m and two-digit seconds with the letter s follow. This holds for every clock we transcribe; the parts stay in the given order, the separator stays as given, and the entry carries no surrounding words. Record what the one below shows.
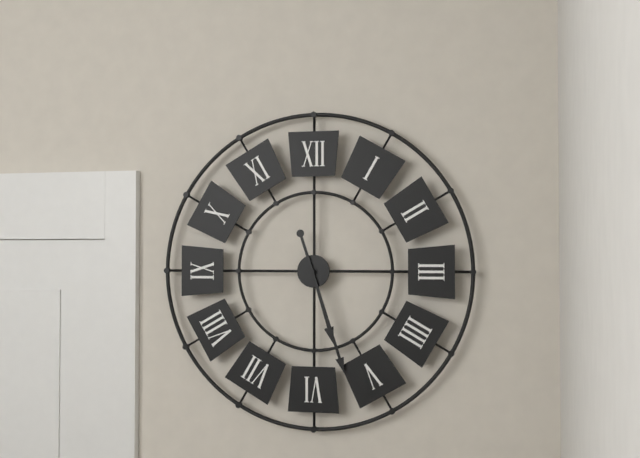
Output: 5h27
